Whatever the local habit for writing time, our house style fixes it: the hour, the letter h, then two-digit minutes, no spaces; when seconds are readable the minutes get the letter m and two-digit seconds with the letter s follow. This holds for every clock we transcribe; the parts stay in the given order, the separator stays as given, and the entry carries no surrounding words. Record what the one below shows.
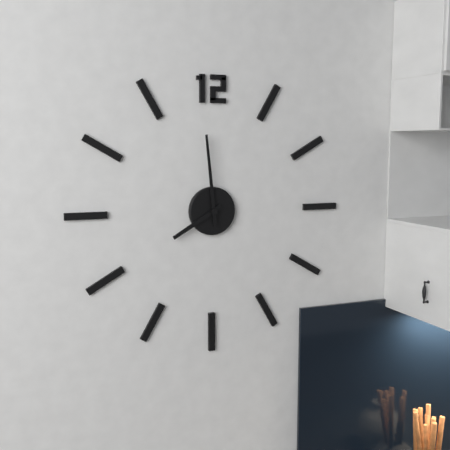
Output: 7h59
